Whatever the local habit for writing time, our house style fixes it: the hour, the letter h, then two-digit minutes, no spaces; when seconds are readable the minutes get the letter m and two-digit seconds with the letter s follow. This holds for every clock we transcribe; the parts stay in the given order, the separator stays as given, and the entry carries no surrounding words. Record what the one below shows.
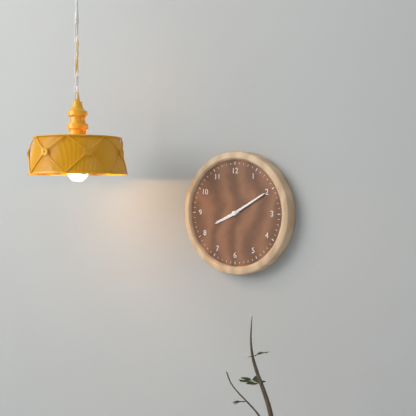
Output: 8h10
